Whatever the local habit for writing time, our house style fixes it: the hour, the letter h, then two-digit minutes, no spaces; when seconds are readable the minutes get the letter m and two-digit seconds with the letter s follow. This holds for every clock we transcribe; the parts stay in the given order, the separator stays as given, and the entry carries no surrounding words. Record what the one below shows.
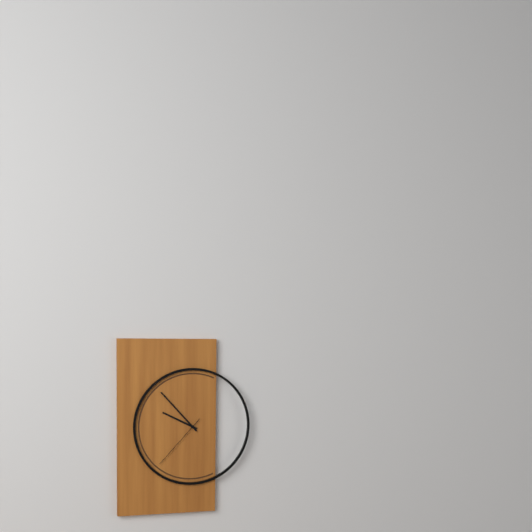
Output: 9h53m37s
